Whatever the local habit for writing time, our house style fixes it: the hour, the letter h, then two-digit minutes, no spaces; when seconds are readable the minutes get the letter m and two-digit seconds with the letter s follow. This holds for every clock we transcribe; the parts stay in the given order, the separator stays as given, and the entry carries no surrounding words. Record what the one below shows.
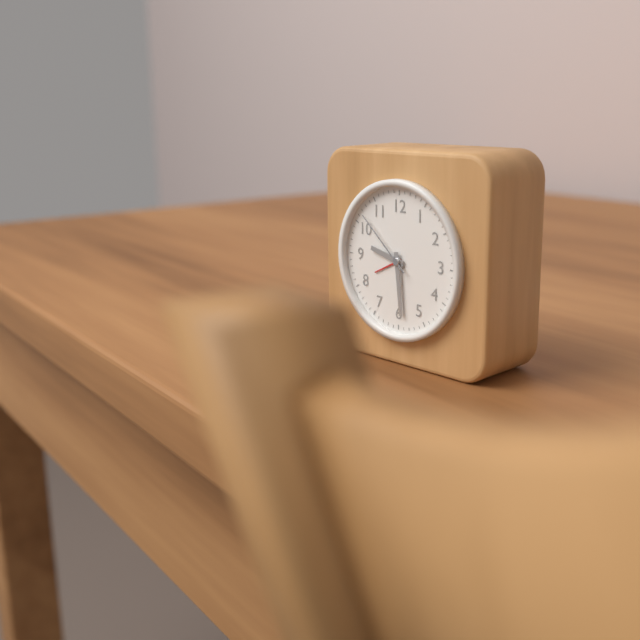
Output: 9h29m52s
